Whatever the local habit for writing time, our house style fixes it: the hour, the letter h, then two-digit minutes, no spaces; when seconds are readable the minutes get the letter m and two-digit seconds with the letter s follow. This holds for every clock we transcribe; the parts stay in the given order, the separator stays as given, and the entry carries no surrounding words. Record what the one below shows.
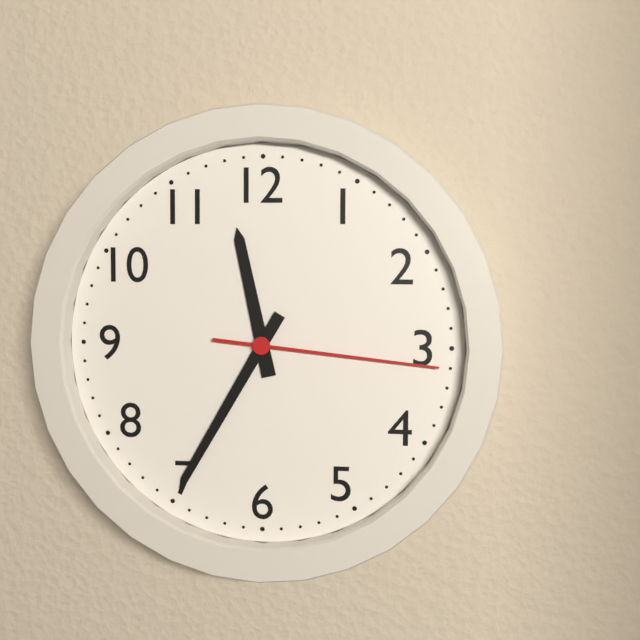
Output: 11h35m16s
